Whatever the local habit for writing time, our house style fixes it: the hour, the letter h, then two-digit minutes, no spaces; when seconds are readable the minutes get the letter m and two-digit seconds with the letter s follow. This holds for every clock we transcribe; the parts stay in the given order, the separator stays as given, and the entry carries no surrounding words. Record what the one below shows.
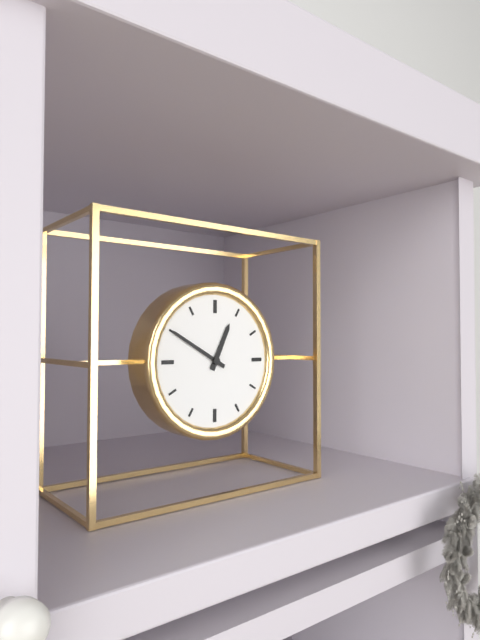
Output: 12h50
